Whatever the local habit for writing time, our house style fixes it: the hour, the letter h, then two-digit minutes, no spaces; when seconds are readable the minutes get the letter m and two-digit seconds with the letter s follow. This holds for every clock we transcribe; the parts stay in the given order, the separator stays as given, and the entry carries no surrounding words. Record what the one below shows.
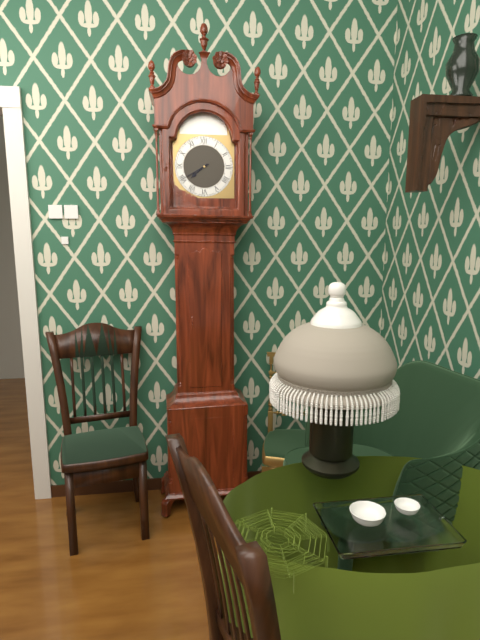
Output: 7h40
